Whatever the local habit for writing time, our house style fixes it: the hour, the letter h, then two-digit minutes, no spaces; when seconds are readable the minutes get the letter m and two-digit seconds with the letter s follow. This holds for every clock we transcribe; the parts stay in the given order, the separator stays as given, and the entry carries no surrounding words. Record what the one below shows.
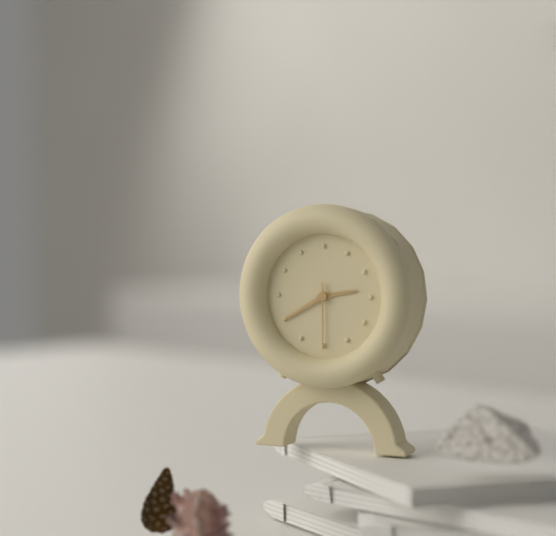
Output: 2h40m30s
